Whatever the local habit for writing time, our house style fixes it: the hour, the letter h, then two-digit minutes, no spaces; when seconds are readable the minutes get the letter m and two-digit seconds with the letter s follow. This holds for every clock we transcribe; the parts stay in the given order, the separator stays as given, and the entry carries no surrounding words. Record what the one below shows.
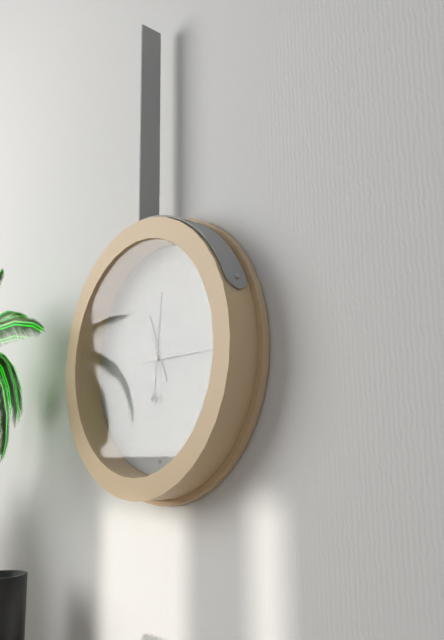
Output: 11h15m01s
